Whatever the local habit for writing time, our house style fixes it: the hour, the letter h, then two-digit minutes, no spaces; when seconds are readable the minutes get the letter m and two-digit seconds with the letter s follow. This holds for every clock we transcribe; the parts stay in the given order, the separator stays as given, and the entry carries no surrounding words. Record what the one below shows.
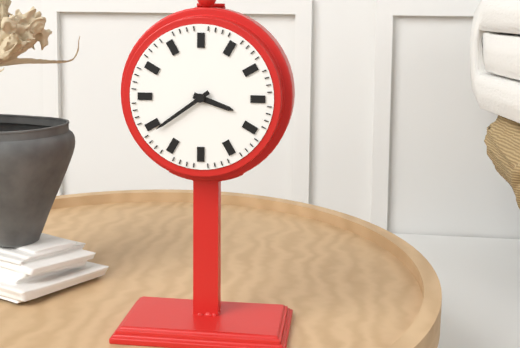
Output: 3h39
